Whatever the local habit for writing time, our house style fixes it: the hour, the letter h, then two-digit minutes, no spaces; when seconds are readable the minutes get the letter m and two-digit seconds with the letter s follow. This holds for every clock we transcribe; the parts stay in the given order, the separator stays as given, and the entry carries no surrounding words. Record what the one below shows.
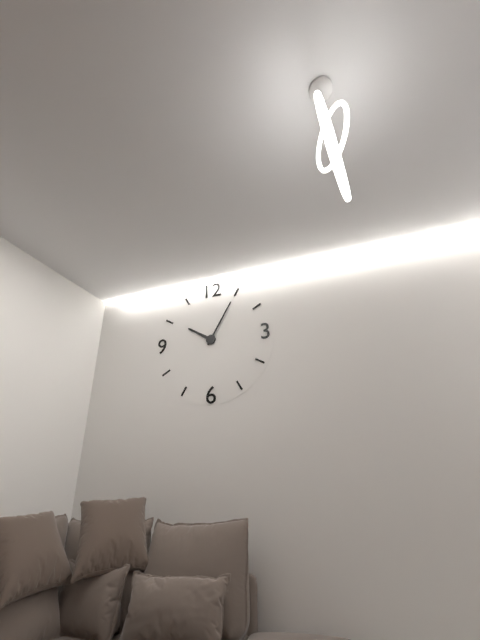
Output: 10h05
